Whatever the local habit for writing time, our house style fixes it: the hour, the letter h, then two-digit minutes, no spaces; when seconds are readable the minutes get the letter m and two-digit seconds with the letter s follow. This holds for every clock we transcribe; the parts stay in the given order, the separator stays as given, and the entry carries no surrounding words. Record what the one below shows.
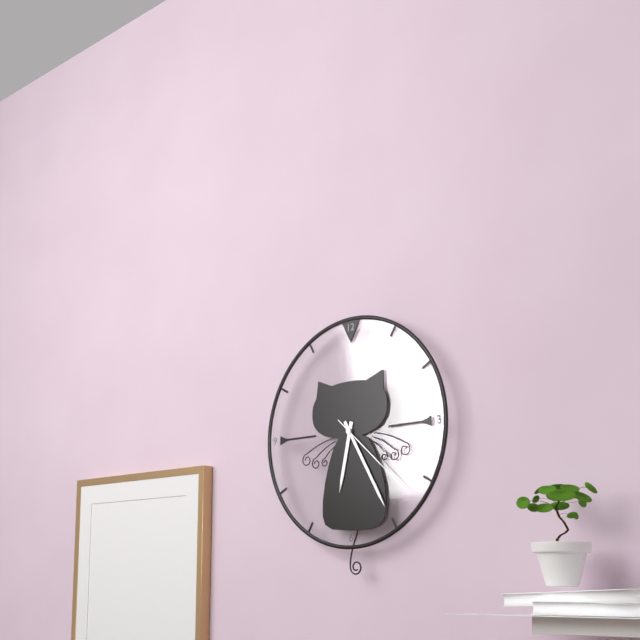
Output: 6h25m22s
